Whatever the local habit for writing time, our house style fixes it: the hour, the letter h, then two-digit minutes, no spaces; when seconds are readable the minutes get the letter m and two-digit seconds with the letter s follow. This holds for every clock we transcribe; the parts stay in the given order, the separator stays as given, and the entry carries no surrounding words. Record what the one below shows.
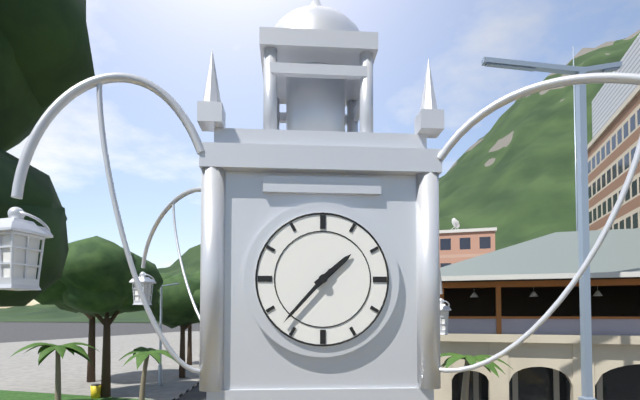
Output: 1h37
